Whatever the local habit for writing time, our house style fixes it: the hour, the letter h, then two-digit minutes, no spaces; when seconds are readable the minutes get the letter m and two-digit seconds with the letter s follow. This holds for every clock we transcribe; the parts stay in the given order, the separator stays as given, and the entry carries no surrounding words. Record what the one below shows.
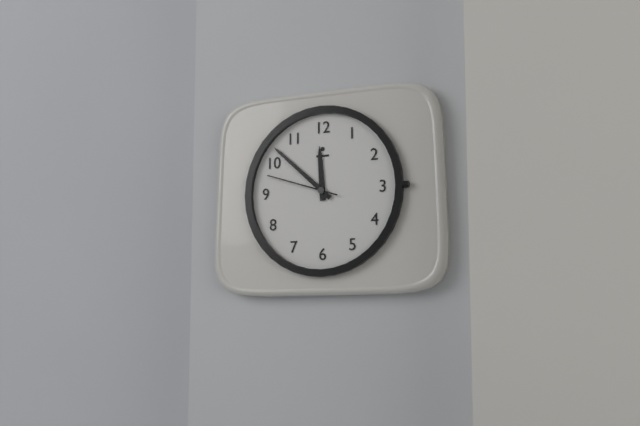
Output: 11h52m48s
